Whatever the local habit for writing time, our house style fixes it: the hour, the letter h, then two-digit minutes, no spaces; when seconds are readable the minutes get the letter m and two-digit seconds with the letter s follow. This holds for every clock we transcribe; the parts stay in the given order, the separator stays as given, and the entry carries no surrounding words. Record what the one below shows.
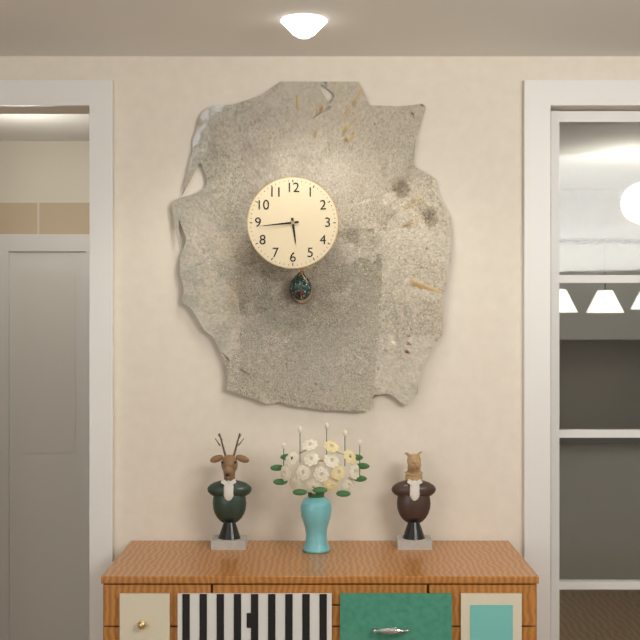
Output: 5h44
